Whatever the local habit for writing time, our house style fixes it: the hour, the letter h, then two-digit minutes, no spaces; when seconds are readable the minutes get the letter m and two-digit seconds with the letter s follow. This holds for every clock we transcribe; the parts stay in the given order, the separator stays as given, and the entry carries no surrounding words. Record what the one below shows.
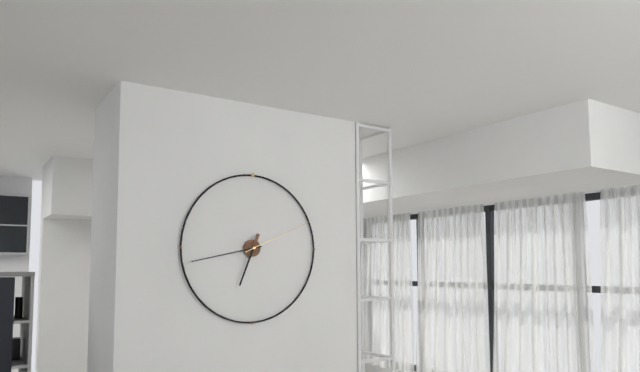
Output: 6h43m11s
